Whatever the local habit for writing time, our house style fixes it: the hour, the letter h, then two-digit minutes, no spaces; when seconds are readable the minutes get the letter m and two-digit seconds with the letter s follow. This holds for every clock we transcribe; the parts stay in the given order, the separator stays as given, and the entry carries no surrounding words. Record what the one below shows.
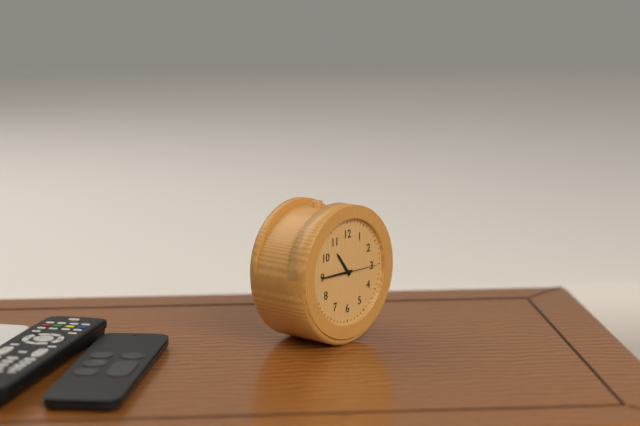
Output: 10h45
